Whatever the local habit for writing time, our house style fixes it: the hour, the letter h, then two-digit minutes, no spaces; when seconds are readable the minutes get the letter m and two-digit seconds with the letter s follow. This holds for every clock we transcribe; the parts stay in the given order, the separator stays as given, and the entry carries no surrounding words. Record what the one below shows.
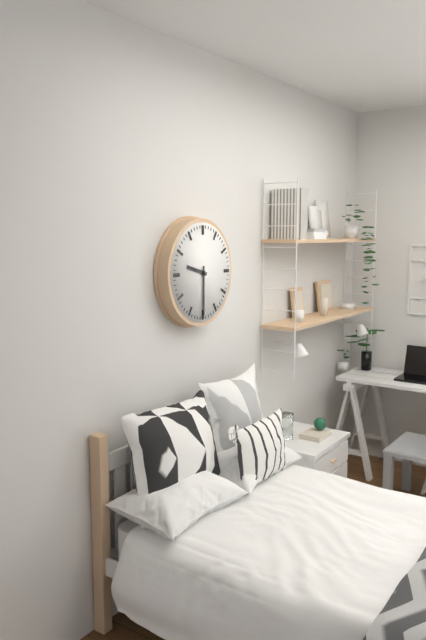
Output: 9h30
